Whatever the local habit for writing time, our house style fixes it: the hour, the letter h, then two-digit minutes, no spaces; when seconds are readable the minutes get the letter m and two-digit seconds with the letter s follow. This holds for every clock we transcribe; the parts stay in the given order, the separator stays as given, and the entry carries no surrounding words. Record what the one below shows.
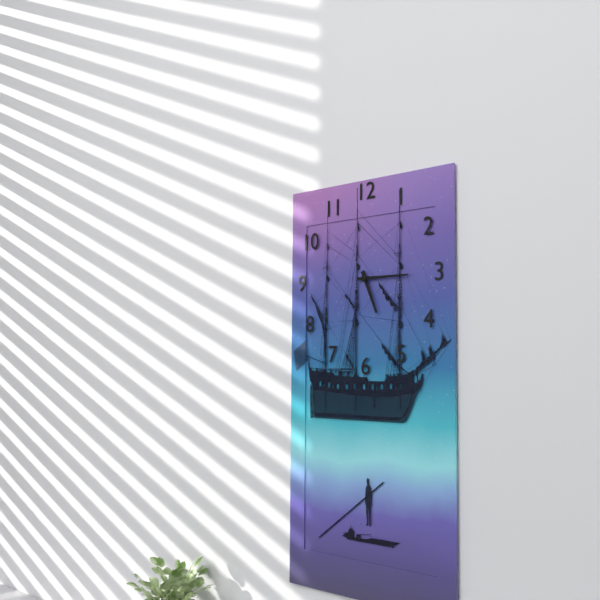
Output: 5h15
